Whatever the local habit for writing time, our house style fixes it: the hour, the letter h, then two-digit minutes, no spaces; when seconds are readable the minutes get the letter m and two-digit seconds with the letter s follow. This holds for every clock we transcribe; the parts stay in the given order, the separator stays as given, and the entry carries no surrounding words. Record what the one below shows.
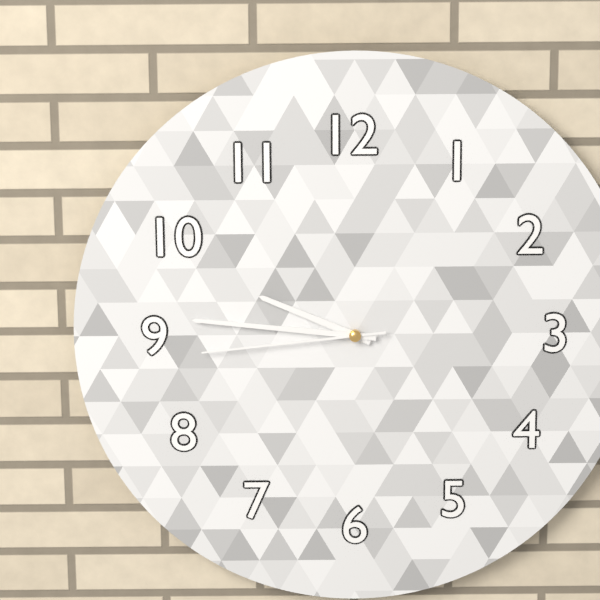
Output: 9h46m44s
